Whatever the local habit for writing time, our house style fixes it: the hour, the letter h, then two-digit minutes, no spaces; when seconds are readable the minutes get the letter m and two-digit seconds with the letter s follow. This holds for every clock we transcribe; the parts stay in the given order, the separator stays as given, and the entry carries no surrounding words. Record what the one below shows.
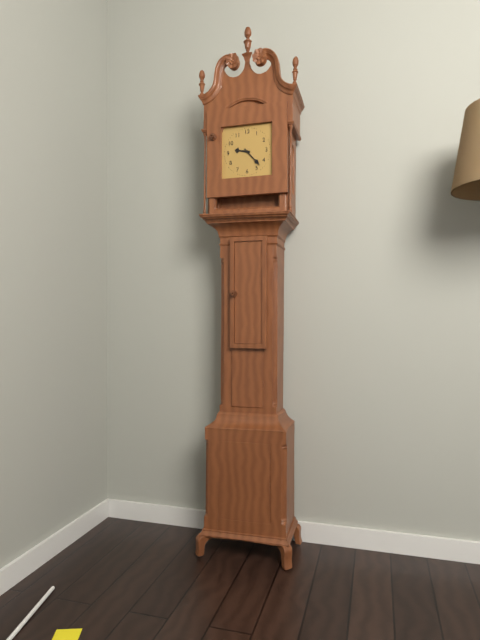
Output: 9h23
